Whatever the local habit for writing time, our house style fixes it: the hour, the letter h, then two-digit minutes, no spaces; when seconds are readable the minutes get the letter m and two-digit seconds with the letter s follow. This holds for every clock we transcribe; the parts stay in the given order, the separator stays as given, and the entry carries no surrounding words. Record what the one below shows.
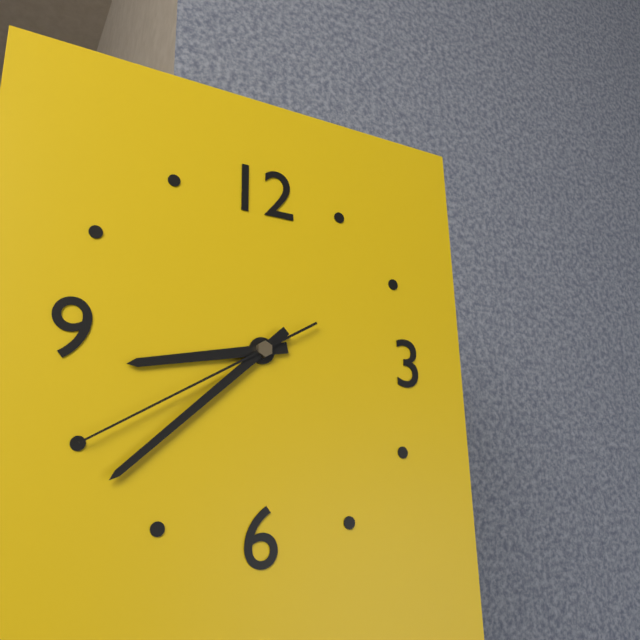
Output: 8h38m40s
